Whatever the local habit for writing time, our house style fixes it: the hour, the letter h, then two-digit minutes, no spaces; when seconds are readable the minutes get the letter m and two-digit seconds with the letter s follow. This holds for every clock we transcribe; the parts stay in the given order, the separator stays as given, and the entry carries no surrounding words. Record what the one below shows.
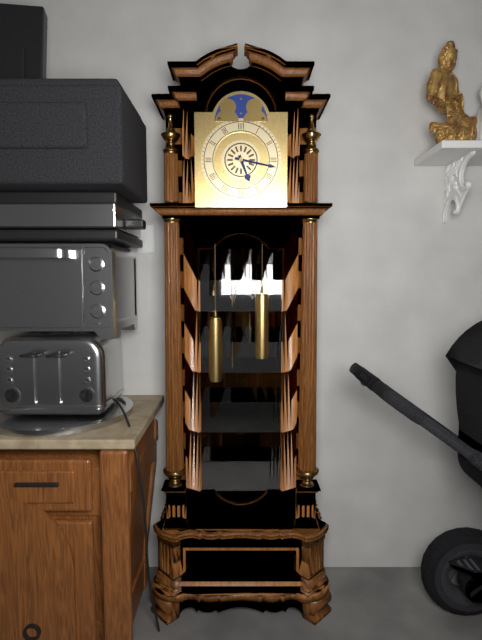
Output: 5h17
